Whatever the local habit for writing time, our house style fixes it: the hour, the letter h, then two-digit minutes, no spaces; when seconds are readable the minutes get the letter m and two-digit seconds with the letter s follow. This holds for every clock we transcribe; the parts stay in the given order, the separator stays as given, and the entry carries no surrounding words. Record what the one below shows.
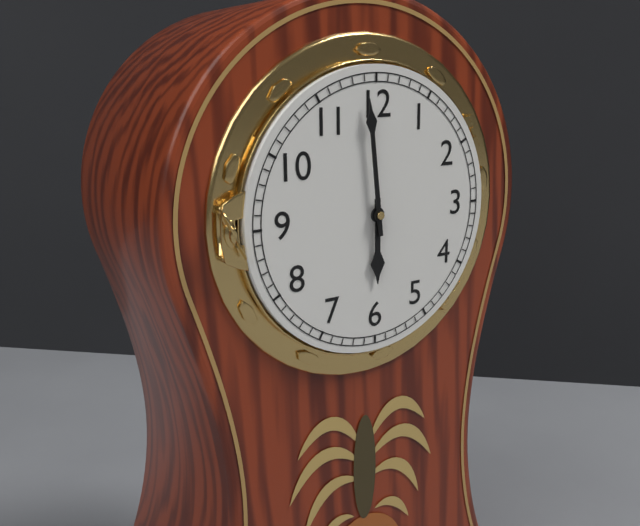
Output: 5h59
